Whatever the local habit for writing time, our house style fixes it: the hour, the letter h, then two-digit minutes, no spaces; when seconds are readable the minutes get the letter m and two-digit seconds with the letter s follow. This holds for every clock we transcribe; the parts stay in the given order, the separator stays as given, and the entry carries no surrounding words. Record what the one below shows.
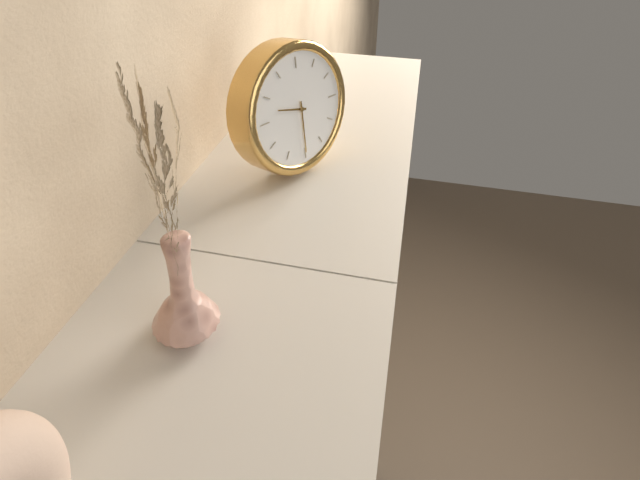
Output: 9h30
